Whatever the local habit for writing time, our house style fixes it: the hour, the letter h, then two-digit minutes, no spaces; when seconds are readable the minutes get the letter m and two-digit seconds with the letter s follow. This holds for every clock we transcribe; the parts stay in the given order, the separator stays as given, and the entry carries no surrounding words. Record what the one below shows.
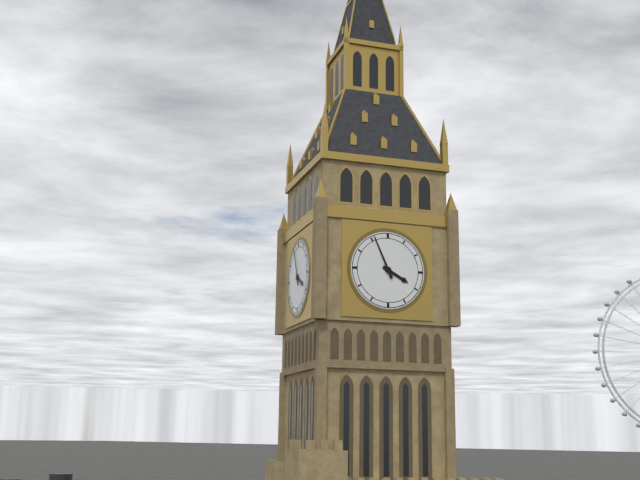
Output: 3h56
